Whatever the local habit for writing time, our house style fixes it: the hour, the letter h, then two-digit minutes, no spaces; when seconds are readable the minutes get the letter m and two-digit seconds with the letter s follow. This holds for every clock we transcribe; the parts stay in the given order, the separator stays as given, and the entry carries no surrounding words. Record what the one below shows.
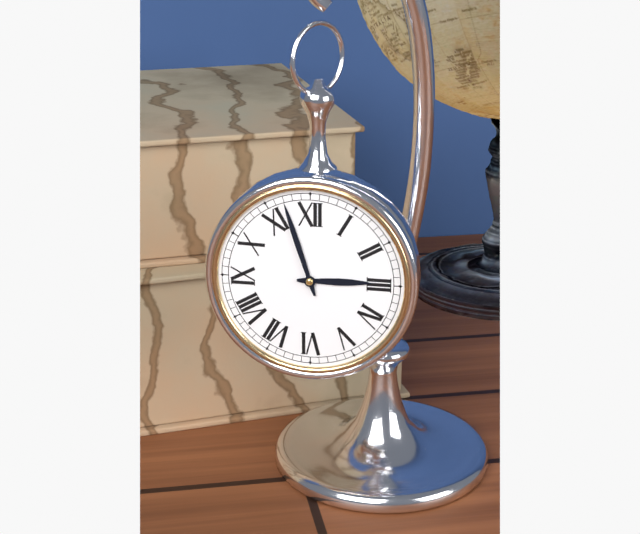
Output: 2h57
